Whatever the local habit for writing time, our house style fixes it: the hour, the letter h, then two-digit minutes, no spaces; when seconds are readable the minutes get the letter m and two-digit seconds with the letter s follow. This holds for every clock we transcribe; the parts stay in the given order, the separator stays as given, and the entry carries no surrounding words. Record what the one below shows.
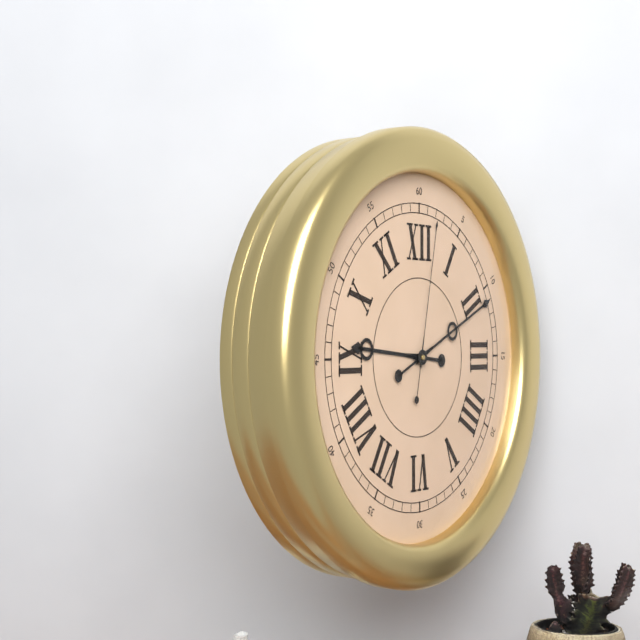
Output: 9h11m02s
